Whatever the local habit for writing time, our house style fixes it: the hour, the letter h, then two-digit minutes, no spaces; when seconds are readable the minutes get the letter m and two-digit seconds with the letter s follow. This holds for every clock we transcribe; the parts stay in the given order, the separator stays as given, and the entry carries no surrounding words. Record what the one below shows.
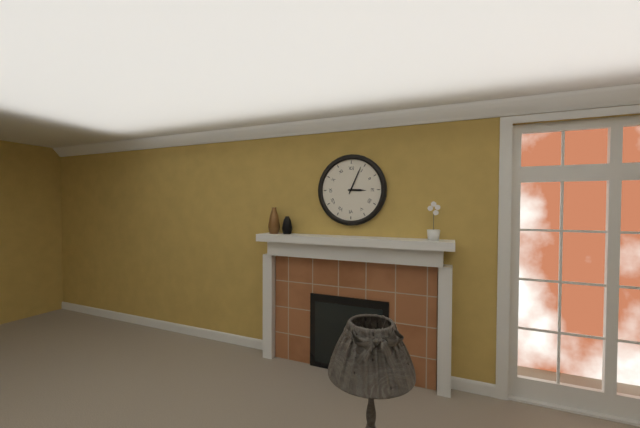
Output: 3h04
